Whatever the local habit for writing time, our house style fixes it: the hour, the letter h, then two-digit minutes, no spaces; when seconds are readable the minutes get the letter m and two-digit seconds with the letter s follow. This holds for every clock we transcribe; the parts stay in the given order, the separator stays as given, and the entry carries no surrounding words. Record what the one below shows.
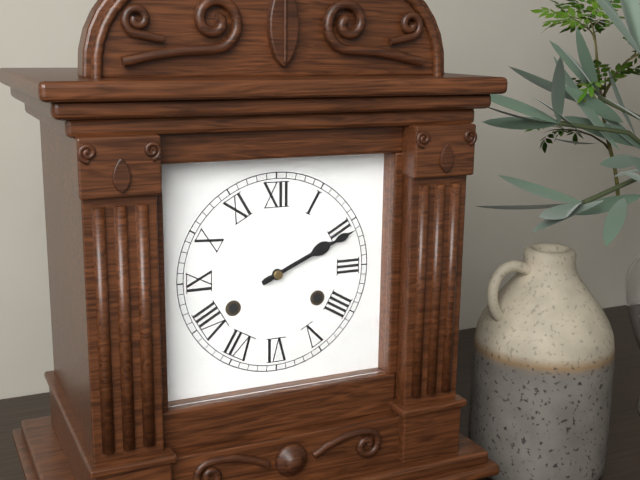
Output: 2h11
